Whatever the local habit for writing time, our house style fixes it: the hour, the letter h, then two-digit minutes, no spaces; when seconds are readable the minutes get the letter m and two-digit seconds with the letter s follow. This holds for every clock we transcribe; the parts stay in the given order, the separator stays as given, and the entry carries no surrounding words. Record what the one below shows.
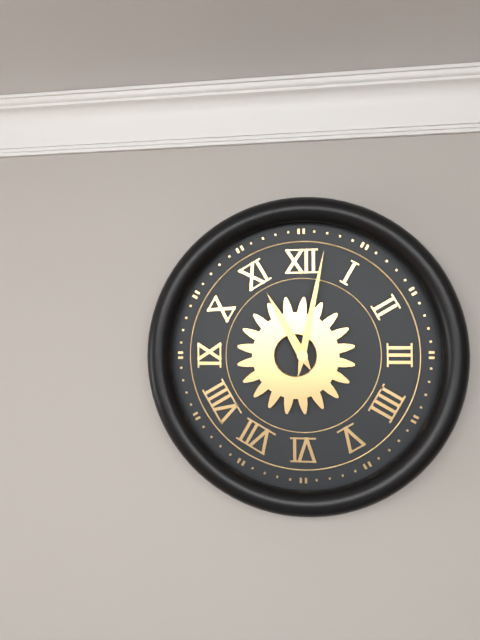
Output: 11h02
